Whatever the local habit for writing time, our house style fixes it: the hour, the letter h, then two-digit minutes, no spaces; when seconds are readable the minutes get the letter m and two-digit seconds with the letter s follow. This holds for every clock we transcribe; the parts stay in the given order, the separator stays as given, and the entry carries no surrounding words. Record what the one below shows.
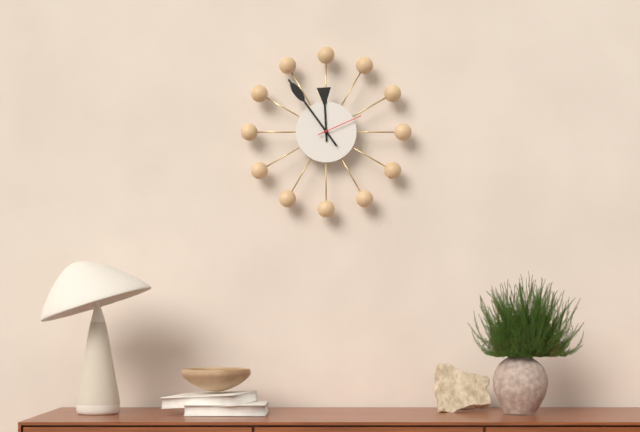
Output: 11h54
